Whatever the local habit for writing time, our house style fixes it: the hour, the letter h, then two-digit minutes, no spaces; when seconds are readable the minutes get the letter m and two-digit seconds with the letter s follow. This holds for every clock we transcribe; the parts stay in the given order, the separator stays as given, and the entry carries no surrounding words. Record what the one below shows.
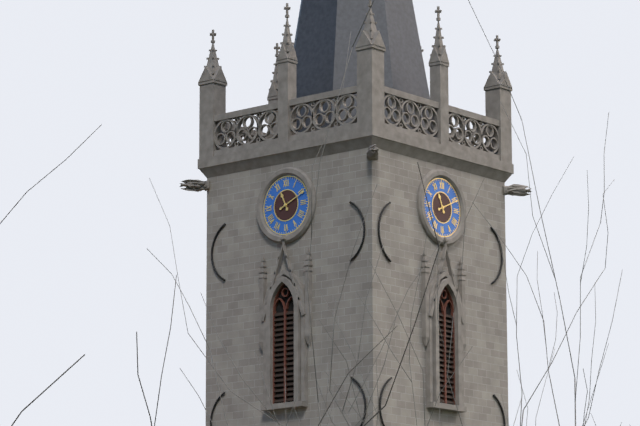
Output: 11h11
